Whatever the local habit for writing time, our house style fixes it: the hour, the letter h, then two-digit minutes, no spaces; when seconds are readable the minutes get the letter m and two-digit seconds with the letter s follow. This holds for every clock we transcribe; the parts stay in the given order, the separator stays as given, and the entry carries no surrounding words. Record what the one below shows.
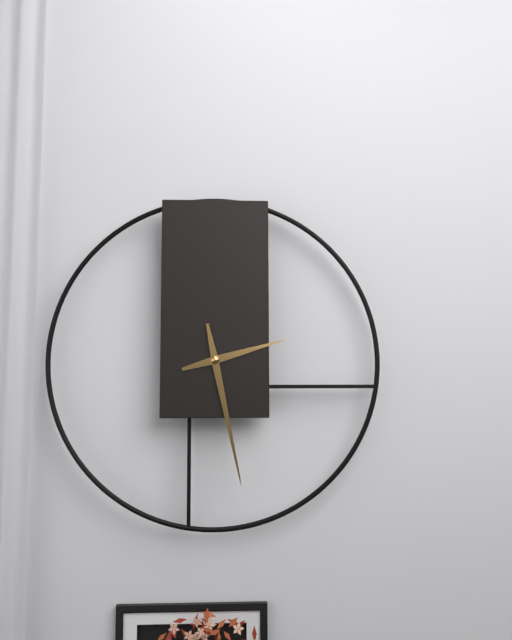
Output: 2h28
